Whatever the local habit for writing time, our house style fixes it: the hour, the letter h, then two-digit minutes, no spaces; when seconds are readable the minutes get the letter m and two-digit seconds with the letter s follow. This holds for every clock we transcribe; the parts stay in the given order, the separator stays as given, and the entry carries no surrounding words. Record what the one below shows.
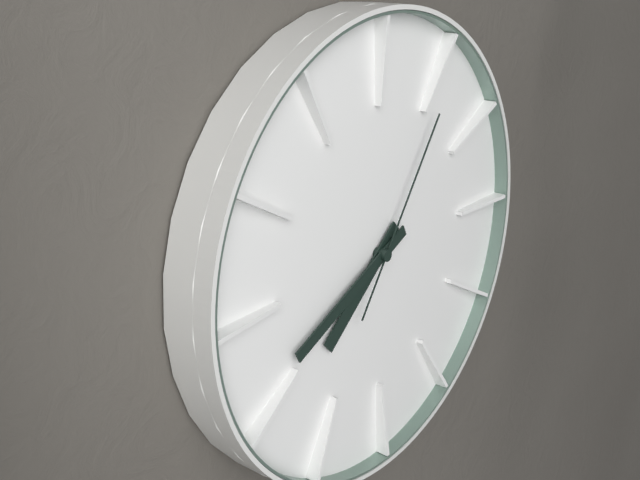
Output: 7h41m06s
